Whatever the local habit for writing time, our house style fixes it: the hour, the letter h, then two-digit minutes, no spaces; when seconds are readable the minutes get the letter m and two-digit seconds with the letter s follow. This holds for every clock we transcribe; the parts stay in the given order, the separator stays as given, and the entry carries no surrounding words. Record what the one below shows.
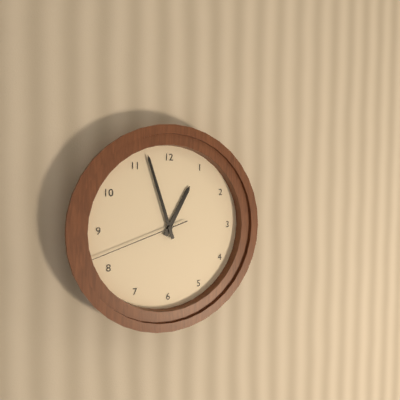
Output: 12h57m42s
